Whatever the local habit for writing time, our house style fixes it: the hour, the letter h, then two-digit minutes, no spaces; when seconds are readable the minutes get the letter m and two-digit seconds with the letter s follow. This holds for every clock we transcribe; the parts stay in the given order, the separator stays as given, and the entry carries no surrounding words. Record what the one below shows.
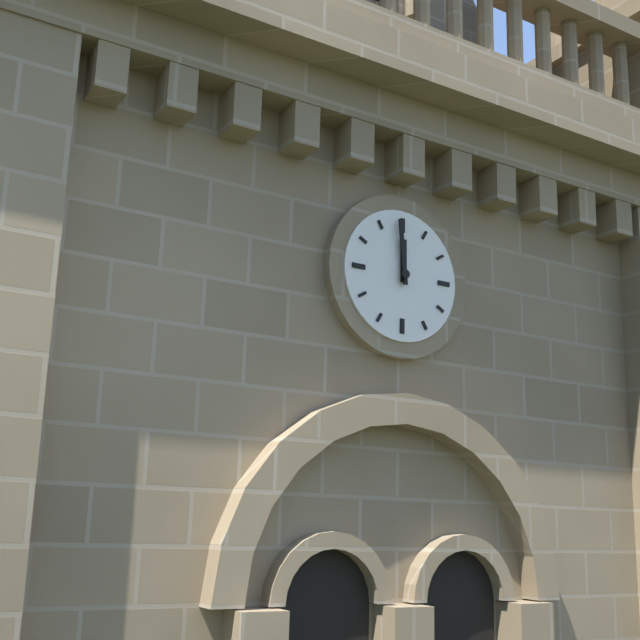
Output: 11h59
